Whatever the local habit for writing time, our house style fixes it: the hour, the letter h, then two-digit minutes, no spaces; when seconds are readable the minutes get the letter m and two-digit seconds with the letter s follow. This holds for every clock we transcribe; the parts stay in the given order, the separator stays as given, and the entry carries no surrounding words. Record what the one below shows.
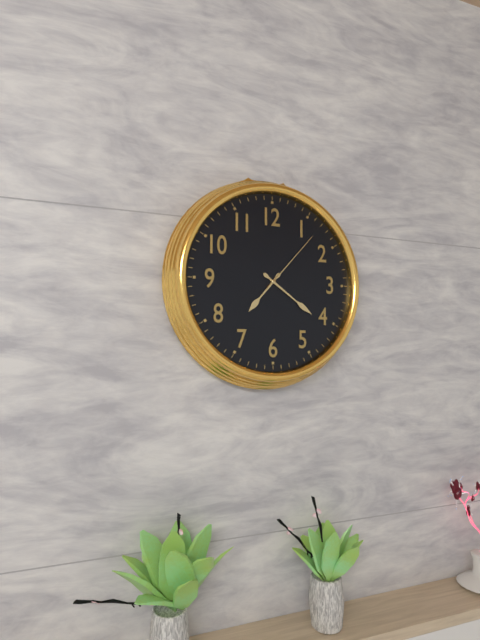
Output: 7h21m07s
